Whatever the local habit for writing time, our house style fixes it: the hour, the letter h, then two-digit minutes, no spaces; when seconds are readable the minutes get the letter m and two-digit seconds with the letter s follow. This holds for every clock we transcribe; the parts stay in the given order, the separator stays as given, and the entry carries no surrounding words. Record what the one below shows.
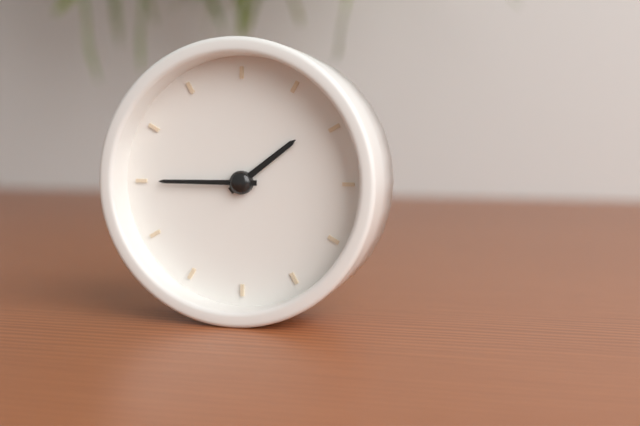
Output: 1h45
